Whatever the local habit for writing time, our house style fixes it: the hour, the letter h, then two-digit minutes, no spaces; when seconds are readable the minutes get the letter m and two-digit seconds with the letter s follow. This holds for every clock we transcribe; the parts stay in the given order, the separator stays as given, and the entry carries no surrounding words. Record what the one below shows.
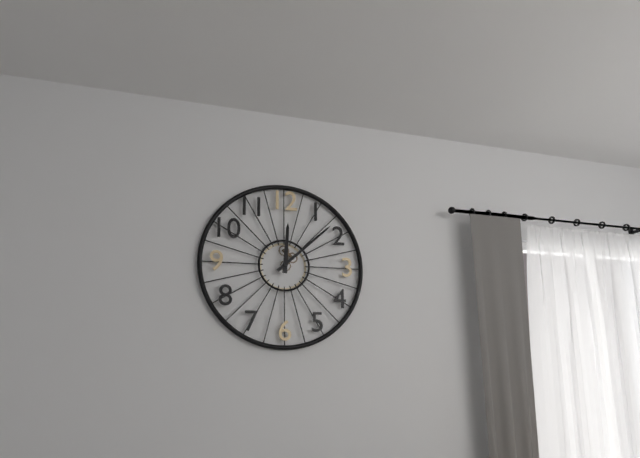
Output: 12h08
